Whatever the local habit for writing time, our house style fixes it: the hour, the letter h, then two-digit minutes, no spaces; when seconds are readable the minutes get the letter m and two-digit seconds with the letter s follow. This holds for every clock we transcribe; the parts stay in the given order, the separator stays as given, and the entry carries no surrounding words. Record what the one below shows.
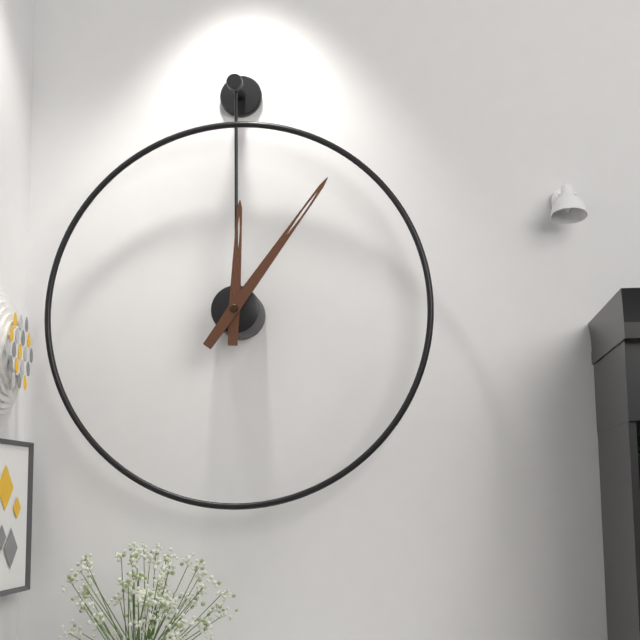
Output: 12h06
